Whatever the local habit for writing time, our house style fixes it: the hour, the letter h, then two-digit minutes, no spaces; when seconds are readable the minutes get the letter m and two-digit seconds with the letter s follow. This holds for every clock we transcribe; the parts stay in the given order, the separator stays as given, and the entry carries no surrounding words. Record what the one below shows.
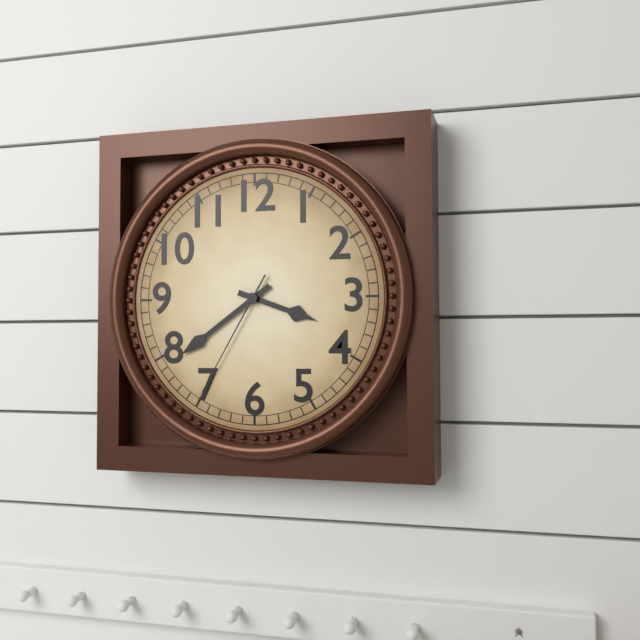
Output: 3h39m35s
